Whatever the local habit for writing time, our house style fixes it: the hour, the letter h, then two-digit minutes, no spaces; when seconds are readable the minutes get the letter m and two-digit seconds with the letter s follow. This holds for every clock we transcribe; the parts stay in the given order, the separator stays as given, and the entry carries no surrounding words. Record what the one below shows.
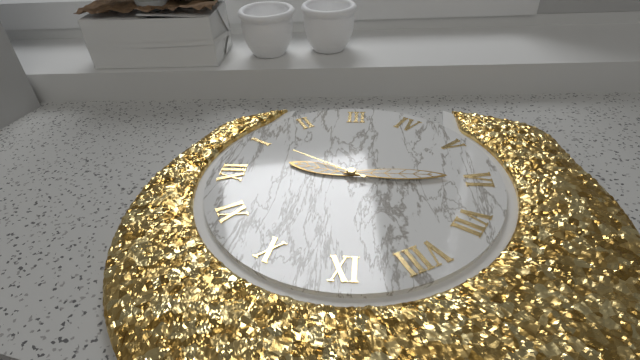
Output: 12h30m05s
